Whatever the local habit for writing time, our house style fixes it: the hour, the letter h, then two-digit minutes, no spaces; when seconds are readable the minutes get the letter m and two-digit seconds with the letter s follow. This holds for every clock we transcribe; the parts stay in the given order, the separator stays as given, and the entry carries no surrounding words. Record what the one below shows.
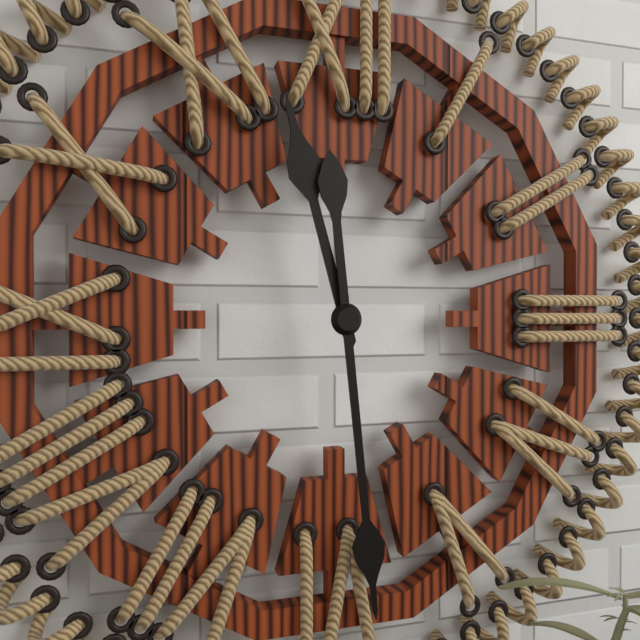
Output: 11h29
